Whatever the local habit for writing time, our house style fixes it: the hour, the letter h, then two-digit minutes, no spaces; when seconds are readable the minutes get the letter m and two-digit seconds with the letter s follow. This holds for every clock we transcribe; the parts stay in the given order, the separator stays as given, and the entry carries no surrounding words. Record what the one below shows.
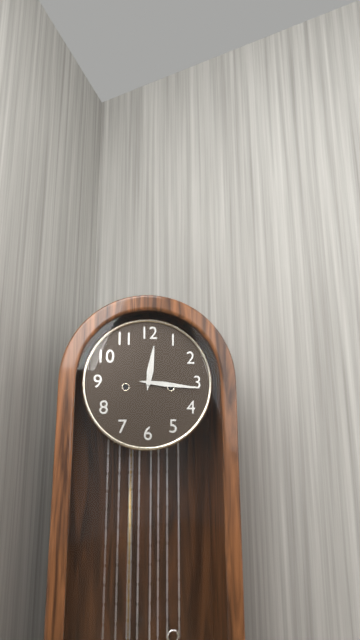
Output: 12h16
